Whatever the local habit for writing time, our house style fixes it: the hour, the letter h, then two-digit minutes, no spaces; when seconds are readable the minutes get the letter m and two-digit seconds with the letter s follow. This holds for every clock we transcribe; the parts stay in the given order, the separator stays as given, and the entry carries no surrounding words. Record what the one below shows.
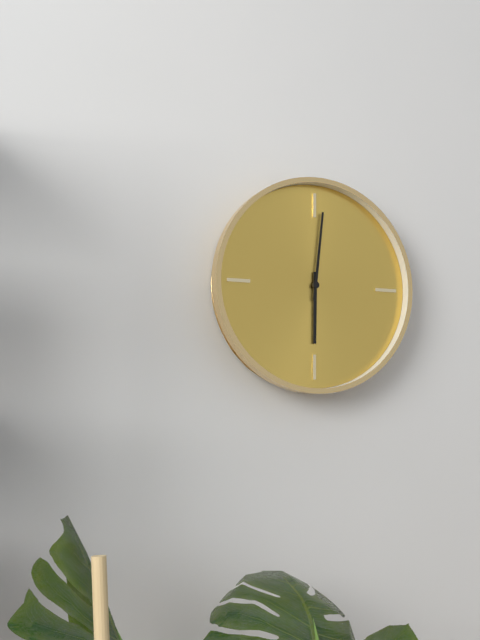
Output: 6h01
